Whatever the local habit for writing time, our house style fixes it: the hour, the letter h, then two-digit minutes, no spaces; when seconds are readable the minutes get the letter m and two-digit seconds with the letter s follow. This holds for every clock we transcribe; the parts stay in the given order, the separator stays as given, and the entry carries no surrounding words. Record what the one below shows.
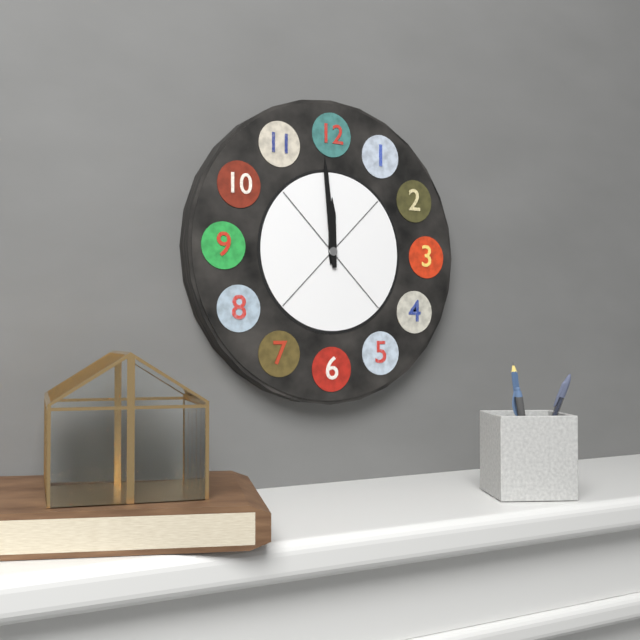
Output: 11h59
